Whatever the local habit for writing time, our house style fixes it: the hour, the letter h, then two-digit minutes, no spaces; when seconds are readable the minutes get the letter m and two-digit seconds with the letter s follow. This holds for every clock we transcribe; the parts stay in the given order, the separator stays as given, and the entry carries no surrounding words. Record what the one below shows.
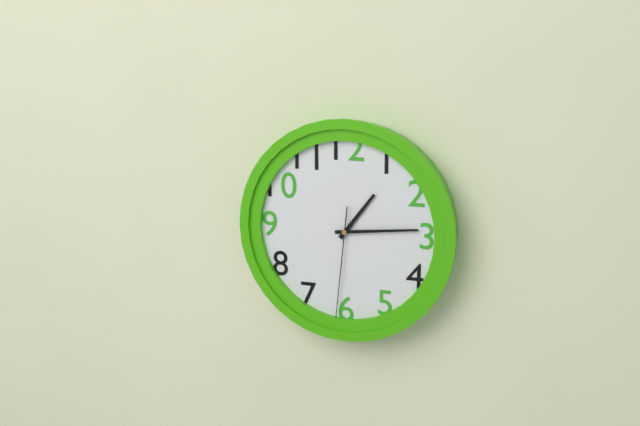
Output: 1h14m31s
